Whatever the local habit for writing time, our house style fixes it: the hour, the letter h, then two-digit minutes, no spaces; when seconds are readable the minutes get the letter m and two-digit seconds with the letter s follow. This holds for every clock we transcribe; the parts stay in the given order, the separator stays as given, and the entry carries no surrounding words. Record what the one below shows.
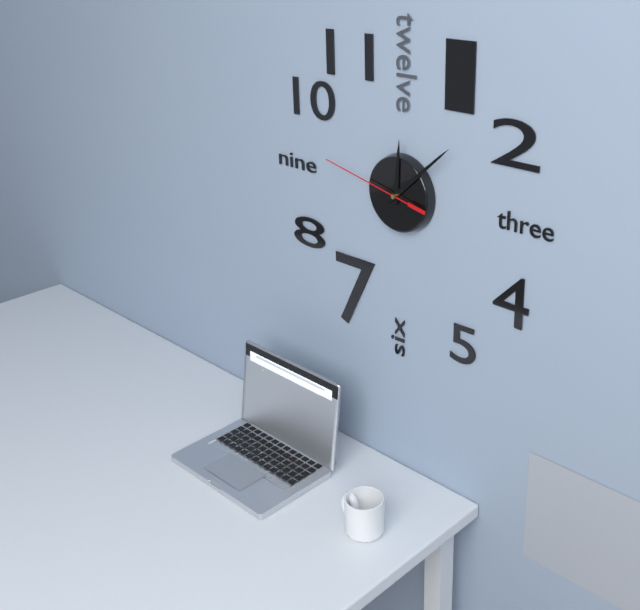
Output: 12h08m47s
